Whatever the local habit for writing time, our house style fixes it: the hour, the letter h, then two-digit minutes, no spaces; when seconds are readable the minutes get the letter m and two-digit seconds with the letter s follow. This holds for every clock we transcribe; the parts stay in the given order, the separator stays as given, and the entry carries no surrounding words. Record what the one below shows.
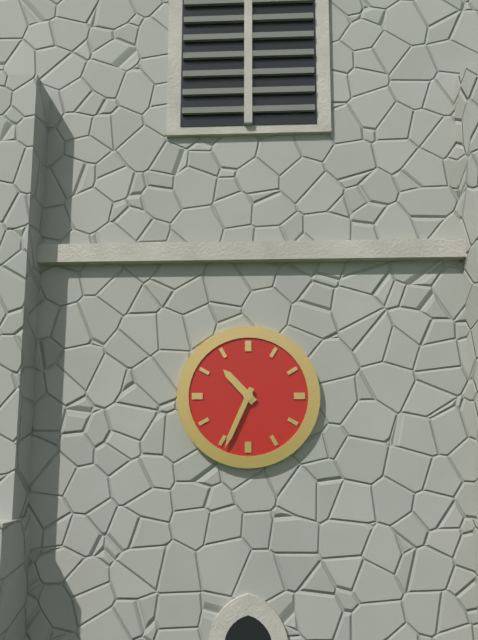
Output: 10h34
